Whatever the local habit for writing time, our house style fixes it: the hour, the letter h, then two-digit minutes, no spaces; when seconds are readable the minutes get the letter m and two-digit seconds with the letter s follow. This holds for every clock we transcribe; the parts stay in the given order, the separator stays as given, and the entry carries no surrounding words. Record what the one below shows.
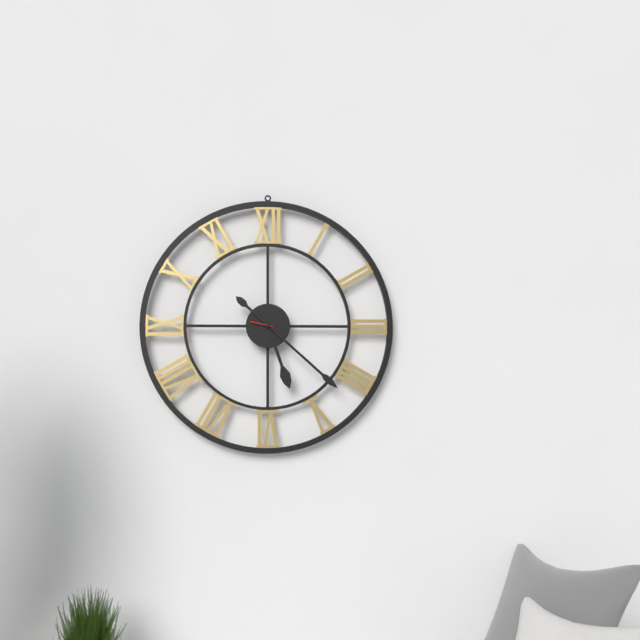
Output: 5h22
